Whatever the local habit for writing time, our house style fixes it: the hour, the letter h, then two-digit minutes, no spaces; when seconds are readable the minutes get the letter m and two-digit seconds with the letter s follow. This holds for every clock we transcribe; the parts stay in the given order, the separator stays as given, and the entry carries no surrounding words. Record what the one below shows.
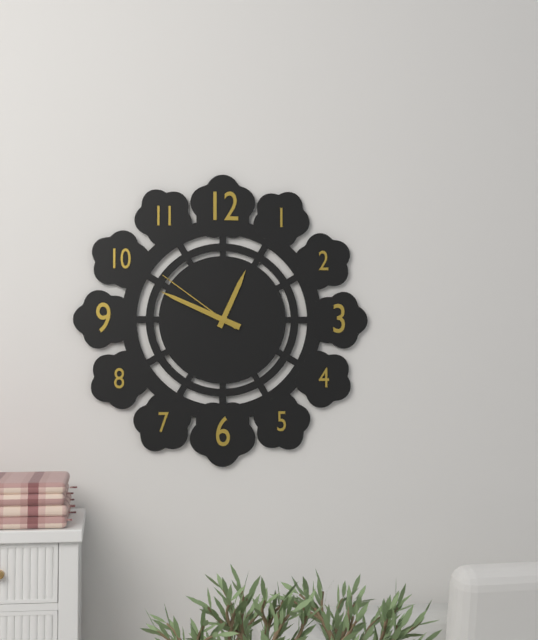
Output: 12h49m51s
